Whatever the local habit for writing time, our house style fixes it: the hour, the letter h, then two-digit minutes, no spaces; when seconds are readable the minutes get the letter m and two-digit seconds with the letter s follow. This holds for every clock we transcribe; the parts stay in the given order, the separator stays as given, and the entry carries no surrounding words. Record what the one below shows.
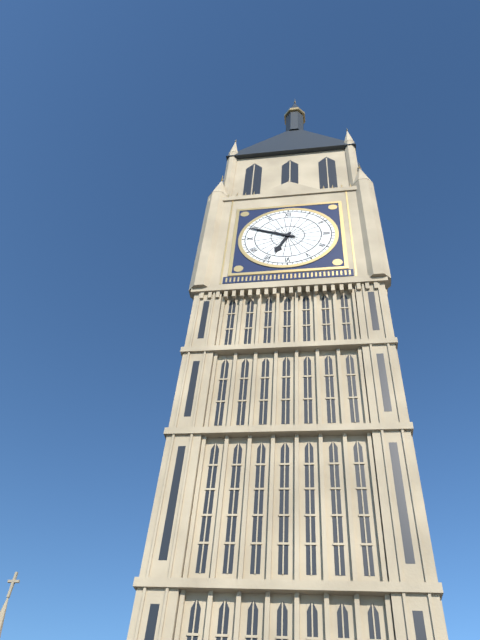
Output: 6h49
